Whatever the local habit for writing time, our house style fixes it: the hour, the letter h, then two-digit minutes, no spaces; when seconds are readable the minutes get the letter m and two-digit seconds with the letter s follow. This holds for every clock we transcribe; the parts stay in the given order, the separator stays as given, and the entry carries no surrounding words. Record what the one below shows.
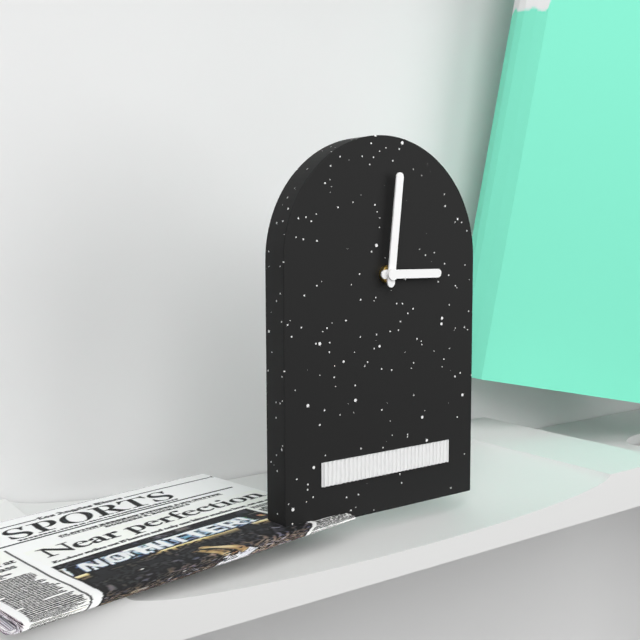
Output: 3h01
